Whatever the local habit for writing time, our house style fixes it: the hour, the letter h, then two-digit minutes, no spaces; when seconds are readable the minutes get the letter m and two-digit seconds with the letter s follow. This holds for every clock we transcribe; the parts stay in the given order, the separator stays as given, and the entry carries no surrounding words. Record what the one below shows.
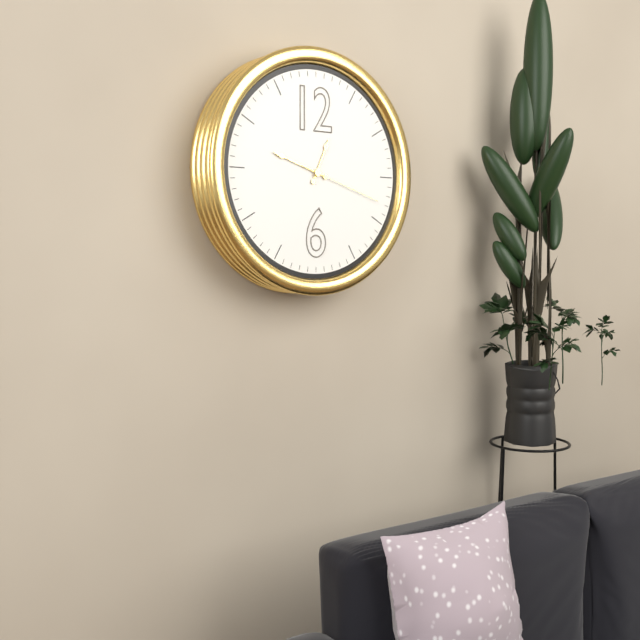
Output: 12h48m18s
